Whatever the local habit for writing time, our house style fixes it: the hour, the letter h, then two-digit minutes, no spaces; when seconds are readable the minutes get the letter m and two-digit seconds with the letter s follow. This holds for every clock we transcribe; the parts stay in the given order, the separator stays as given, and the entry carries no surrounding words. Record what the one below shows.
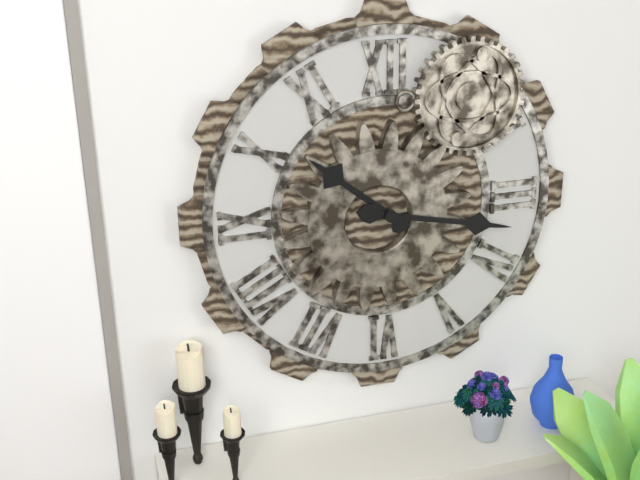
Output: 10h17
